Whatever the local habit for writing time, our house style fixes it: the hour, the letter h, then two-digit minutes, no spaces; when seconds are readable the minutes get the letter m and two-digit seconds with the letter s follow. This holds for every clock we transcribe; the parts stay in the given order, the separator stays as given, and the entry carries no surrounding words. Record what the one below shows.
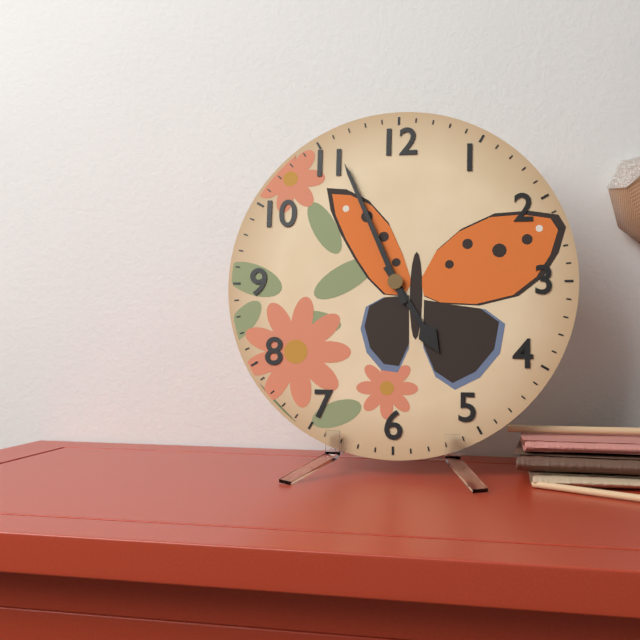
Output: 4h56
